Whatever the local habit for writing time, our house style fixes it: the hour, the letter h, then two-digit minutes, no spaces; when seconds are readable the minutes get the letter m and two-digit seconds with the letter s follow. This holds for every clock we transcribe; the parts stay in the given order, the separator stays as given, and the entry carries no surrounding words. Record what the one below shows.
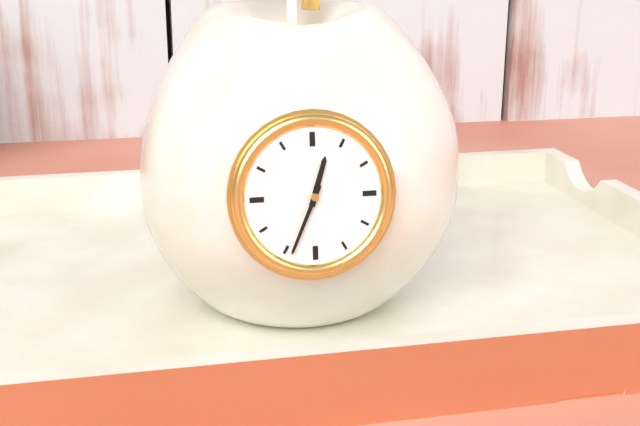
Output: 12h34
